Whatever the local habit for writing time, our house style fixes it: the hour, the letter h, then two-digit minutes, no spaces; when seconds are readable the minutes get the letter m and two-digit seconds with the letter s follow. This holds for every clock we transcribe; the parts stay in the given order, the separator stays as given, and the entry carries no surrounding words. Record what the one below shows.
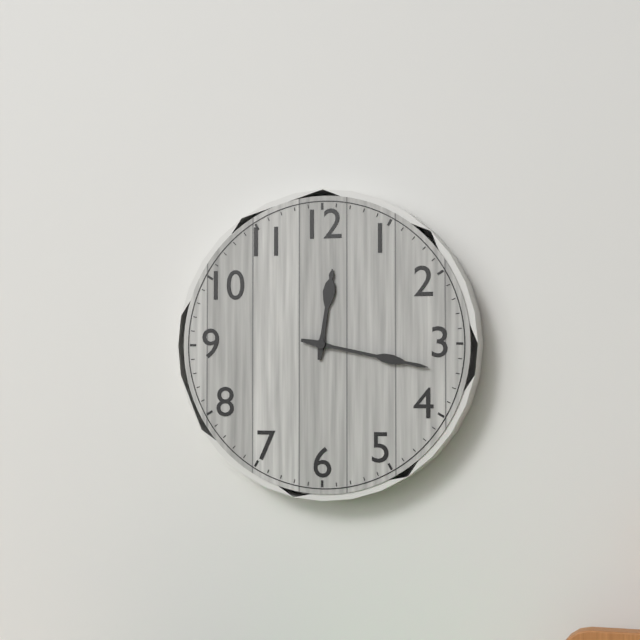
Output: 12h17
